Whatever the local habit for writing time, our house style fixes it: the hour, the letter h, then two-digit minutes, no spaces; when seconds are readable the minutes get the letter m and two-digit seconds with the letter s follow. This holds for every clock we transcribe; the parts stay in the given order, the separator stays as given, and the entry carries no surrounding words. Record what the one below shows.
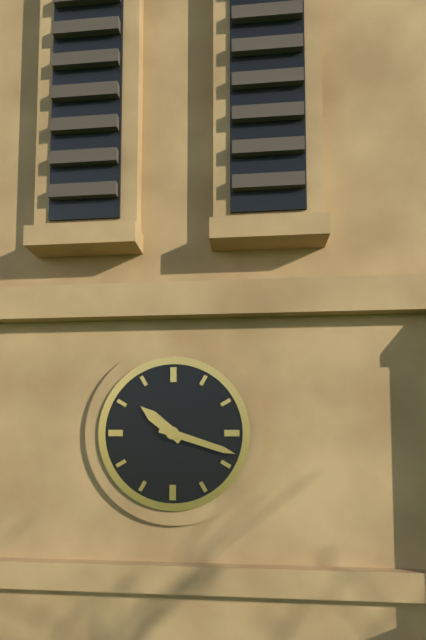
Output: 10h18
